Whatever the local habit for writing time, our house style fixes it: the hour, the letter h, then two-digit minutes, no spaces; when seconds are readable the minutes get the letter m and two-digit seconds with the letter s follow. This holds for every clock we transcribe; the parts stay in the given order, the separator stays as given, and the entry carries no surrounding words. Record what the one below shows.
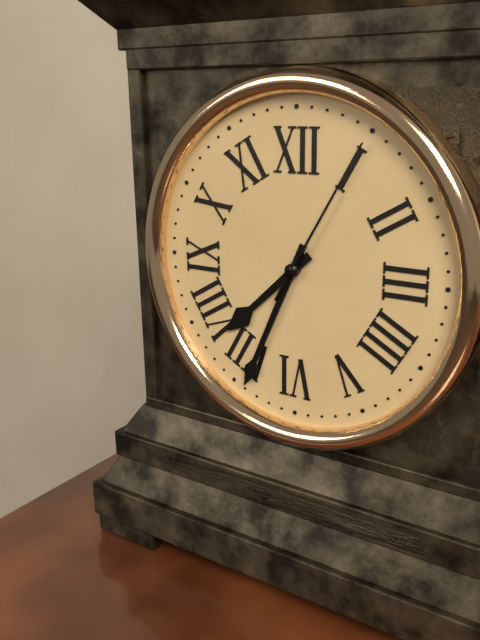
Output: 7h34m05s
